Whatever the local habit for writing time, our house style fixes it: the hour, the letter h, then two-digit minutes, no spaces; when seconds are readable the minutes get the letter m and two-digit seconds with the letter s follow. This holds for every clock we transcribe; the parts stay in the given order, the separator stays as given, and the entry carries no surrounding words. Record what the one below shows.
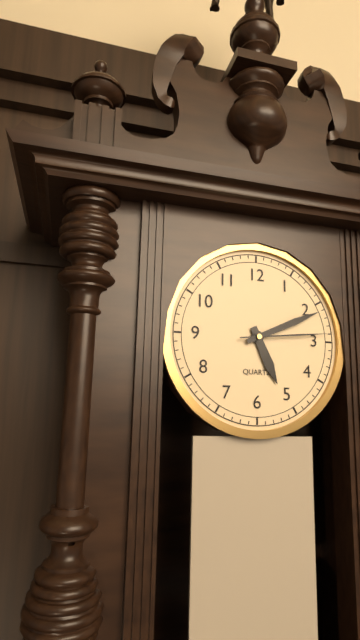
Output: 5h11m14s
